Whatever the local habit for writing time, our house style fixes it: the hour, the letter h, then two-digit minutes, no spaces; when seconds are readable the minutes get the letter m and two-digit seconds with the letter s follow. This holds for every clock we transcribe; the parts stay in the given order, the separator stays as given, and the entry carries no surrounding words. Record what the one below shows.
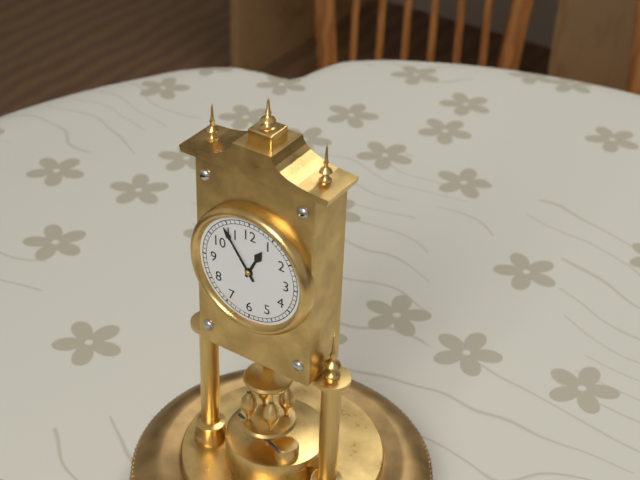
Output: 12h54
